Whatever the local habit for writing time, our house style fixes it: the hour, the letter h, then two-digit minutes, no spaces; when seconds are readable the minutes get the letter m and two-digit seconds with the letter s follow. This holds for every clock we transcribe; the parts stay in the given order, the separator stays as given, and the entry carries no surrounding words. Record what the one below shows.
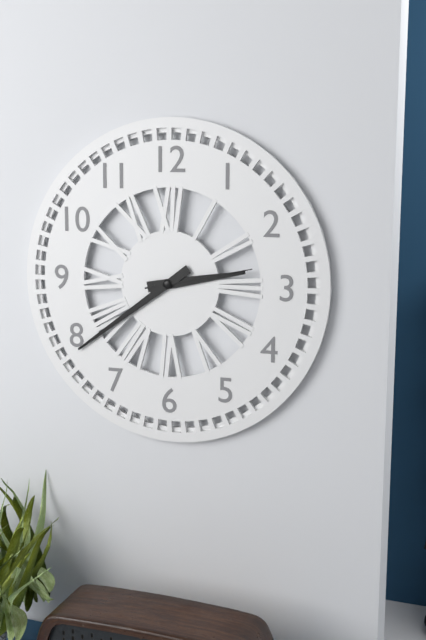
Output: 2h39m13s
